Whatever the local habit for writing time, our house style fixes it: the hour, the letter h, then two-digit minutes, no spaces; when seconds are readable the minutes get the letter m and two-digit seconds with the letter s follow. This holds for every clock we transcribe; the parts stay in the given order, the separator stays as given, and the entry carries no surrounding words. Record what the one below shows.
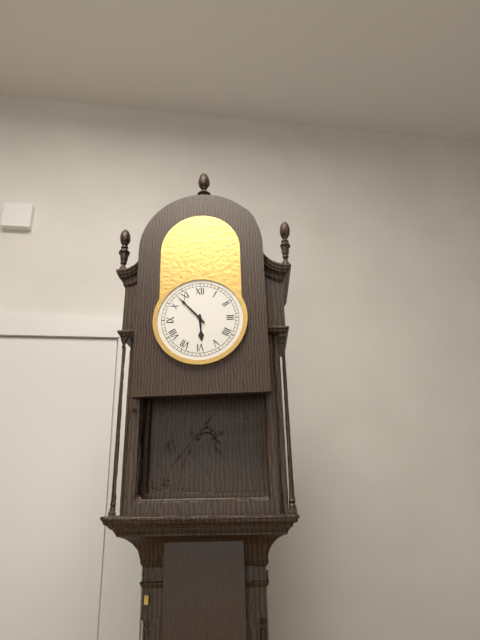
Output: 5h53
